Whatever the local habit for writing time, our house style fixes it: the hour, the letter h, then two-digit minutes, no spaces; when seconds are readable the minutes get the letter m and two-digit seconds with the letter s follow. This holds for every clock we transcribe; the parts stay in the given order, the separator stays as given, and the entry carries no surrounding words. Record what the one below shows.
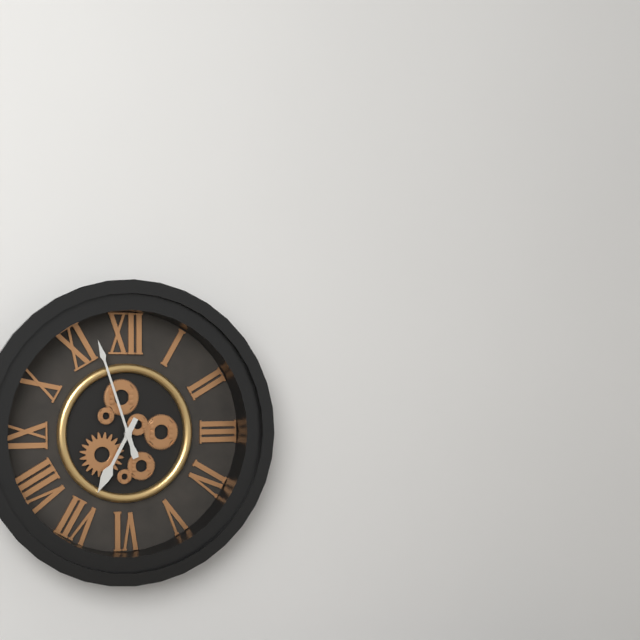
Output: 6h57
